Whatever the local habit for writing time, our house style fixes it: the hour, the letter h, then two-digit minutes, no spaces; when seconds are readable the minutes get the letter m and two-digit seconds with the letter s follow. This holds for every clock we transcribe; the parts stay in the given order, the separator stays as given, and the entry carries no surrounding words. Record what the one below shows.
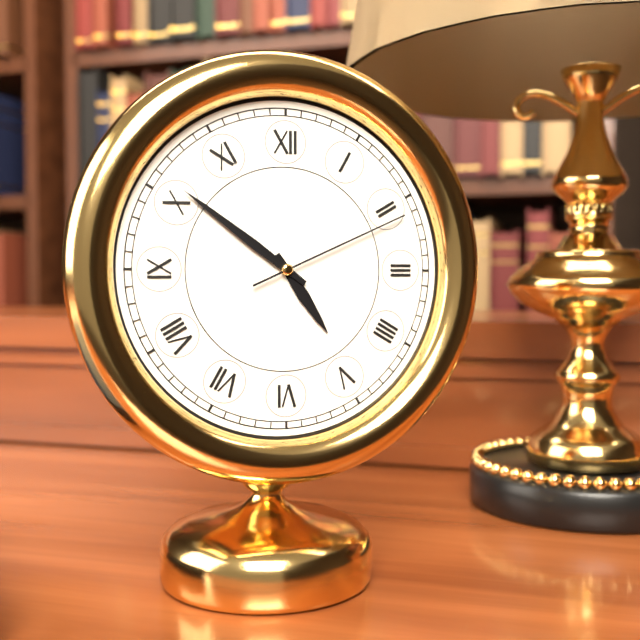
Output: 4h51m11s
